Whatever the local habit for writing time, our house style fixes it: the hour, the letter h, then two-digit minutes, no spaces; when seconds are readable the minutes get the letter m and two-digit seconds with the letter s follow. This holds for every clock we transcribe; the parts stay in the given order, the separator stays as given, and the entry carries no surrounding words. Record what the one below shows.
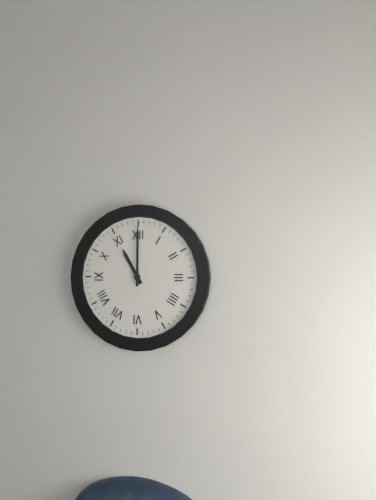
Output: 11h00
